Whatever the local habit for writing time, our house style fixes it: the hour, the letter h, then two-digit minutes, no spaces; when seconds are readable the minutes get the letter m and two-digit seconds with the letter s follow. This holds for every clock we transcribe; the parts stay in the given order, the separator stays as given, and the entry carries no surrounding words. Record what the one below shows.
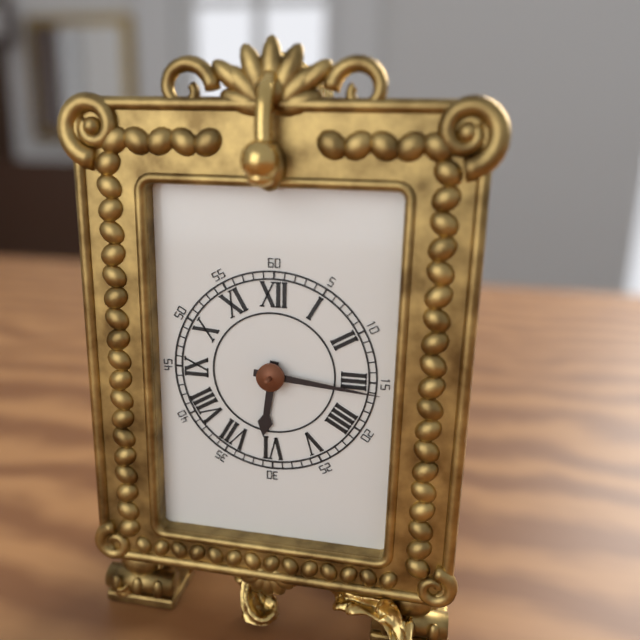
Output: 6h16
